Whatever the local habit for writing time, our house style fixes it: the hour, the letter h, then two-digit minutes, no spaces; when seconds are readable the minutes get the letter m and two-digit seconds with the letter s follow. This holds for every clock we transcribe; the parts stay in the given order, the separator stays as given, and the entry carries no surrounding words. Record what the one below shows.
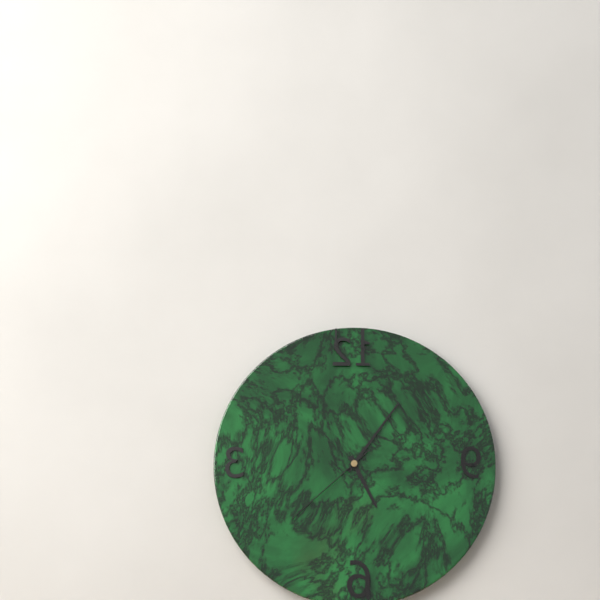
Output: 5h06m38s
